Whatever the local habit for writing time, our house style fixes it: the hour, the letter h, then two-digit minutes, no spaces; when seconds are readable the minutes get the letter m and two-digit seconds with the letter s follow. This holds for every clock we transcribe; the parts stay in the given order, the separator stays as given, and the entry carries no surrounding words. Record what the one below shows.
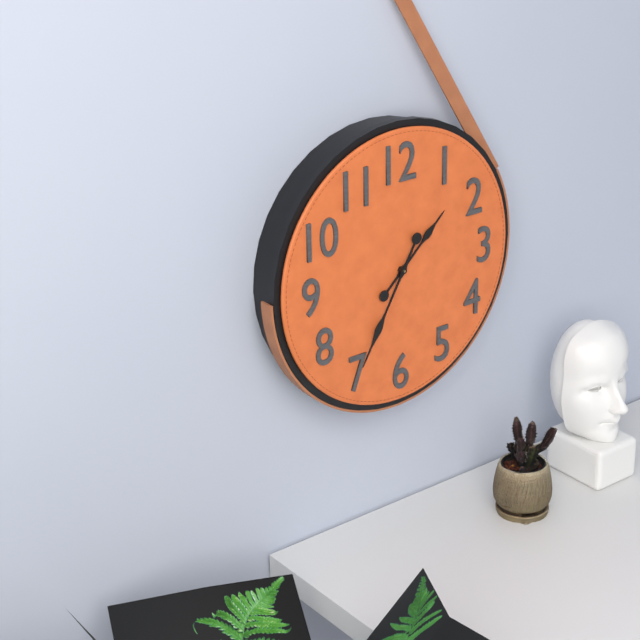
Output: 1h35
